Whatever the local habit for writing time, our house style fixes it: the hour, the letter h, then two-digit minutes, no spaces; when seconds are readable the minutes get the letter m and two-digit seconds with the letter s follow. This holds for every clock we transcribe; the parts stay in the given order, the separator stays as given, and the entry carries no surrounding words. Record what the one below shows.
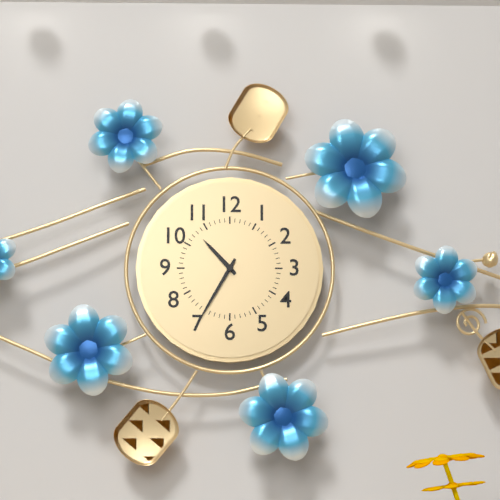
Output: 10h35
